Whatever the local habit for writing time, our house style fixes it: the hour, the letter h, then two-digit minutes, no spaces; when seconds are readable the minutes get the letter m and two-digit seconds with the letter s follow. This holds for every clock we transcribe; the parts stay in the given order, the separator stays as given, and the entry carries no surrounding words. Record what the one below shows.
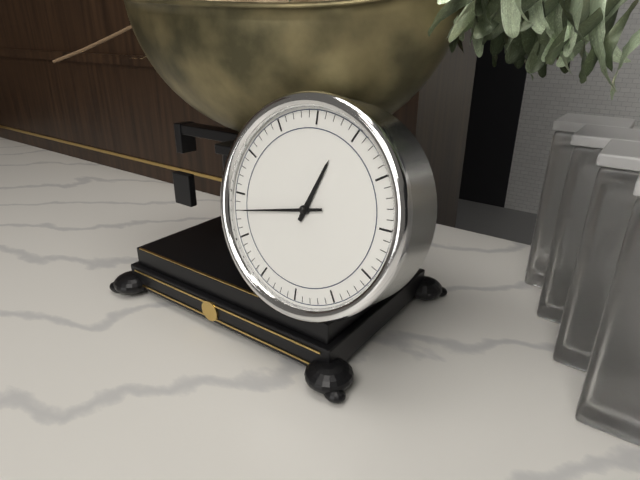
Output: 12h43
